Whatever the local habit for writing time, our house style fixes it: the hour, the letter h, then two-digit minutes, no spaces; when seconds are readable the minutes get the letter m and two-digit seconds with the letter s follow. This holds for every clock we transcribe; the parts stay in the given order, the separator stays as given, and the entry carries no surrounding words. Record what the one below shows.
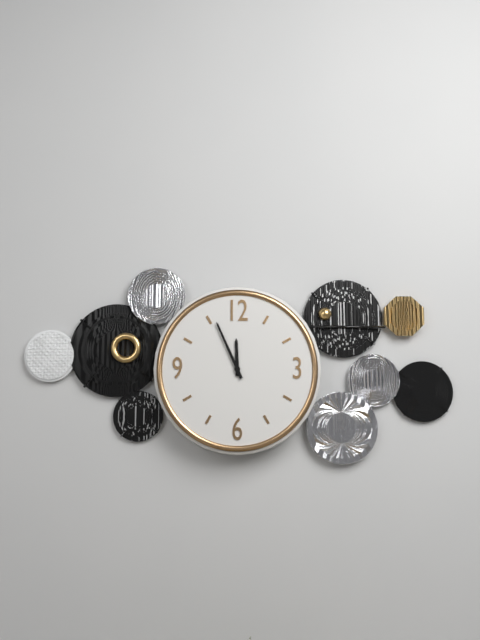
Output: 11h56
